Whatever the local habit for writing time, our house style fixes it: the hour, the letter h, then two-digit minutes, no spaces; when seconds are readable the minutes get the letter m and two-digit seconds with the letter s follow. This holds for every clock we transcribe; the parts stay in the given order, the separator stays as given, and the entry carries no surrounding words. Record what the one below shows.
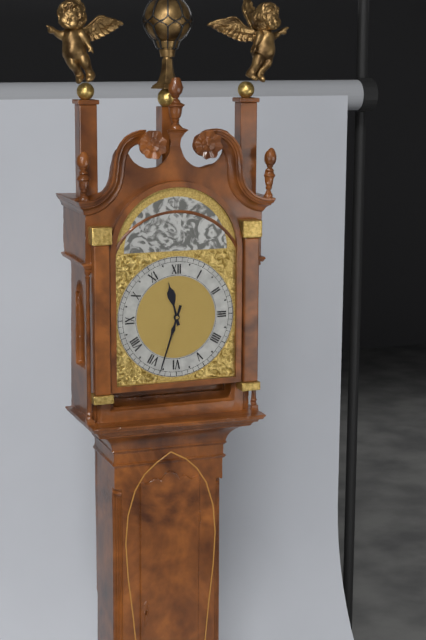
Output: 11h33
